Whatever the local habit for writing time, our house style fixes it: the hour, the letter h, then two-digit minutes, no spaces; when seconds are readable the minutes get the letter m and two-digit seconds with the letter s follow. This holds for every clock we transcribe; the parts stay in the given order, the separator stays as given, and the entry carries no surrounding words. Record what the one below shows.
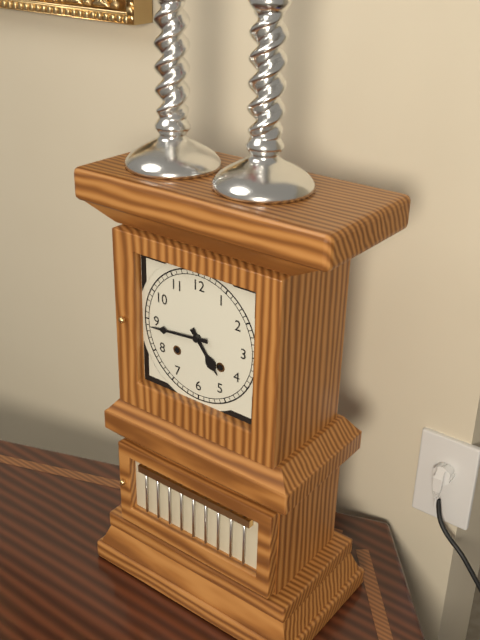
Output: 4h44
